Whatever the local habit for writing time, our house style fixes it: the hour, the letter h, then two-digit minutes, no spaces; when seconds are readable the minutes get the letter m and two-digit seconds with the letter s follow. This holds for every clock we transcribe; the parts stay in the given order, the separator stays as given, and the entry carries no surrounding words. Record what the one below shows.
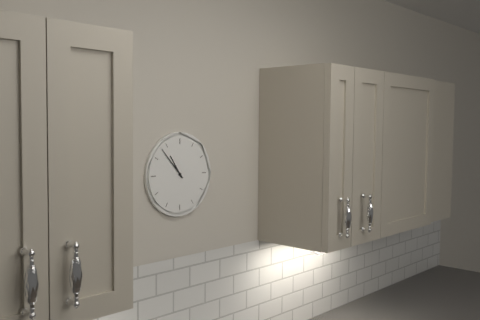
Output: 10h53
